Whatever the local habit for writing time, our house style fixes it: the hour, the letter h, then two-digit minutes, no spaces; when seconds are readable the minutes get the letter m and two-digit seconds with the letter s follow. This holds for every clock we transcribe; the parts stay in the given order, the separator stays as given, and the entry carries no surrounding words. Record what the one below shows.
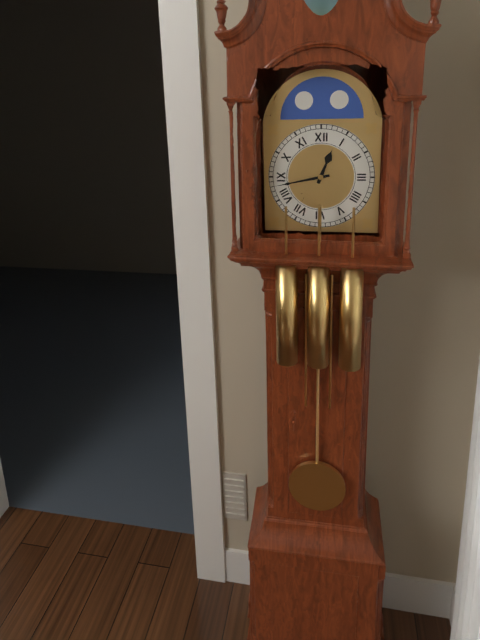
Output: 12h43
